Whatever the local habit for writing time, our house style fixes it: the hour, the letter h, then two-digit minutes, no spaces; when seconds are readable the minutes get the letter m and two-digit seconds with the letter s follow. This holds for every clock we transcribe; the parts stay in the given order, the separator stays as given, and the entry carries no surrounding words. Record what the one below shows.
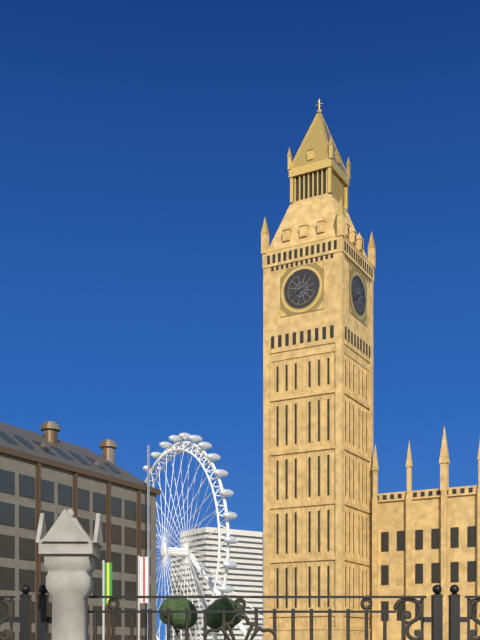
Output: 7h43
